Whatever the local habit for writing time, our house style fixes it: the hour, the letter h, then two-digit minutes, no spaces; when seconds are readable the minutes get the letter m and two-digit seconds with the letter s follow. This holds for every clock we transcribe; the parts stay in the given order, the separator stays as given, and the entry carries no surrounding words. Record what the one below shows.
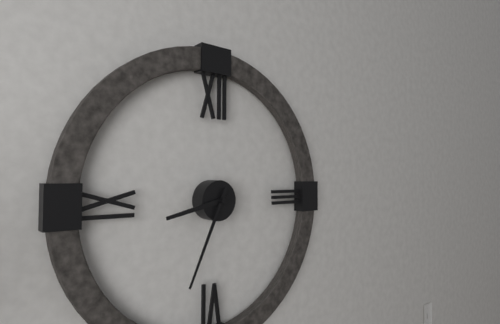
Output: 8h34
